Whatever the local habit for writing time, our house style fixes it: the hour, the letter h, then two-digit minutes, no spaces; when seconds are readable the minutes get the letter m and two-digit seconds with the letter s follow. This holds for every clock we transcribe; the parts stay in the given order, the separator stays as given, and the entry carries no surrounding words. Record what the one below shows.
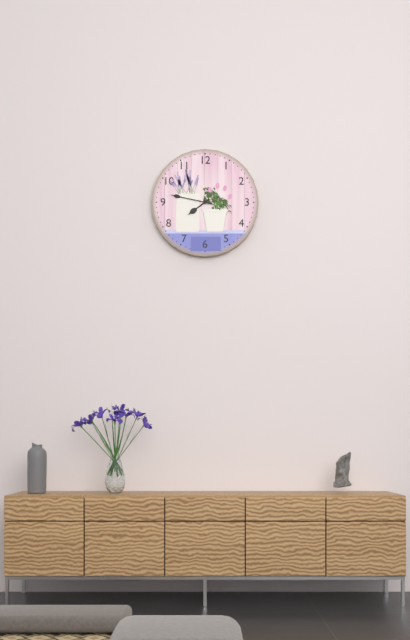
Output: 7h47
